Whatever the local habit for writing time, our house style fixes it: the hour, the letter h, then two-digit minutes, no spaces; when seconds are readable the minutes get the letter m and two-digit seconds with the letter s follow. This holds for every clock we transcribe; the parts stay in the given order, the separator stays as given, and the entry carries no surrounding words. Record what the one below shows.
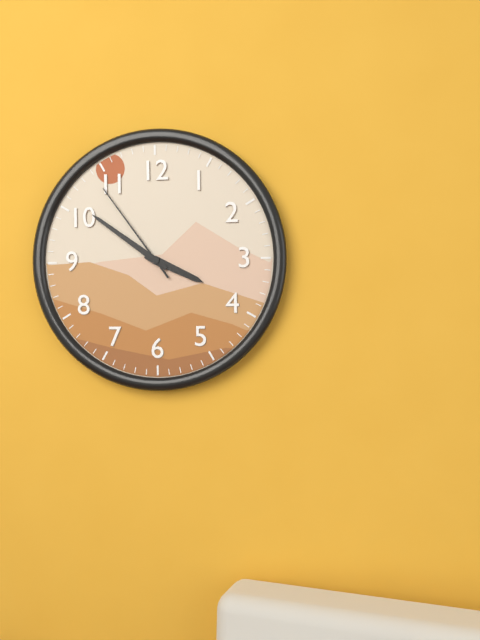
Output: 3h51m54s
